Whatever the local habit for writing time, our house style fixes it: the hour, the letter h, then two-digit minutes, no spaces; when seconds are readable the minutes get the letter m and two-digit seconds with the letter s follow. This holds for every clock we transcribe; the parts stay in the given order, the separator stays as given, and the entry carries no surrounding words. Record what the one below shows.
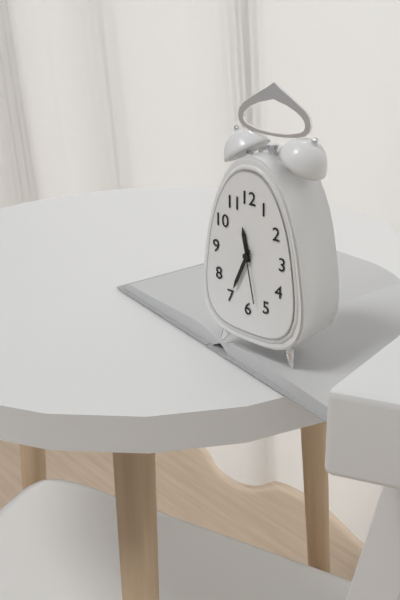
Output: 11h34m28s
